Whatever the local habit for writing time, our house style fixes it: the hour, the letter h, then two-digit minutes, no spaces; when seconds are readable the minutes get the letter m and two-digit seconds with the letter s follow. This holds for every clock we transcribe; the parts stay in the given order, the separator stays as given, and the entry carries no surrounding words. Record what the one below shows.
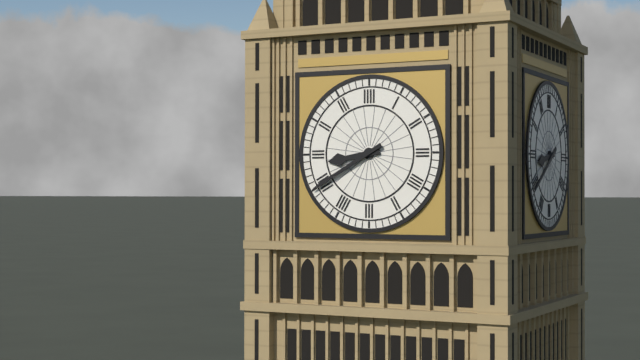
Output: 8h40
